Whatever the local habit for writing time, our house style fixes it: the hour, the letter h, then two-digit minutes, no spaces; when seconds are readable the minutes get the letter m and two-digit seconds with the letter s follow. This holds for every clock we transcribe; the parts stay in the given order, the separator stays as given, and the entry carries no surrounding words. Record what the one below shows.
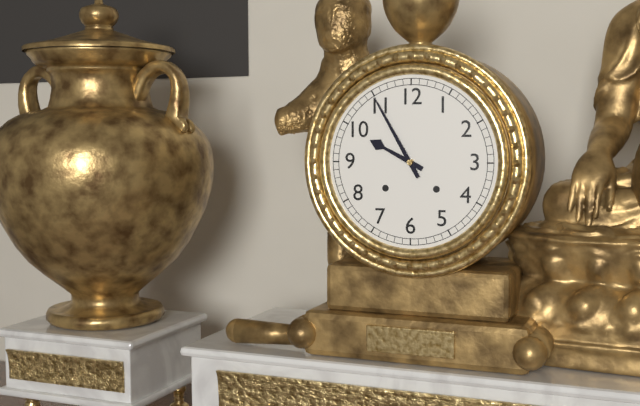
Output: 9h55
